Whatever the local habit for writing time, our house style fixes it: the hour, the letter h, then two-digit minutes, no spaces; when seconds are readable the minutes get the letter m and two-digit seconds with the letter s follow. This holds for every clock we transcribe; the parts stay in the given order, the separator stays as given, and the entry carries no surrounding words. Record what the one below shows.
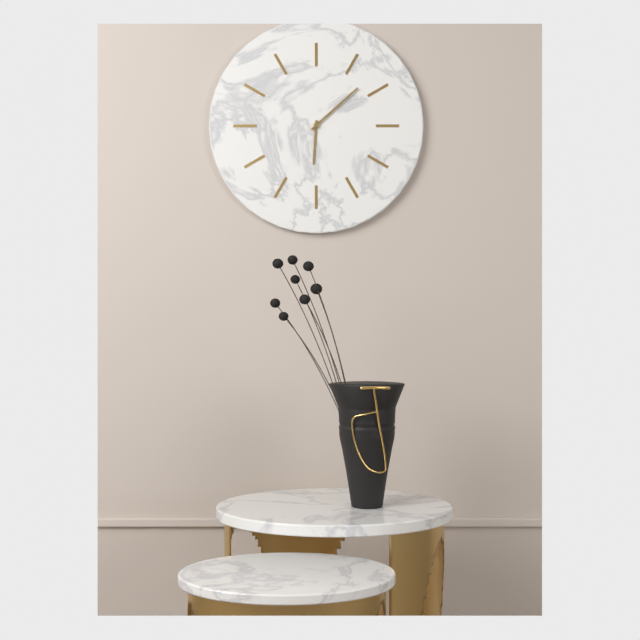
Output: 6h08
